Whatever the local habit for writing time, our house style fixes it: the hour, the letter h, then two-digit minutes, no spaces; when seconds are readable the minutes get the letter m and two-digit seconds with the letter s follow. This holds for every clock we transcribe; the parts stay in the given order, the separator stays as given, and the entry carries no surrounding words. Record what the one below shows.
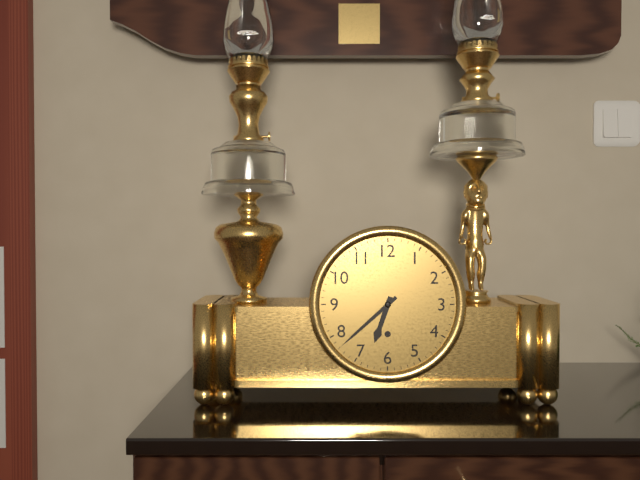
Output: 6h38
